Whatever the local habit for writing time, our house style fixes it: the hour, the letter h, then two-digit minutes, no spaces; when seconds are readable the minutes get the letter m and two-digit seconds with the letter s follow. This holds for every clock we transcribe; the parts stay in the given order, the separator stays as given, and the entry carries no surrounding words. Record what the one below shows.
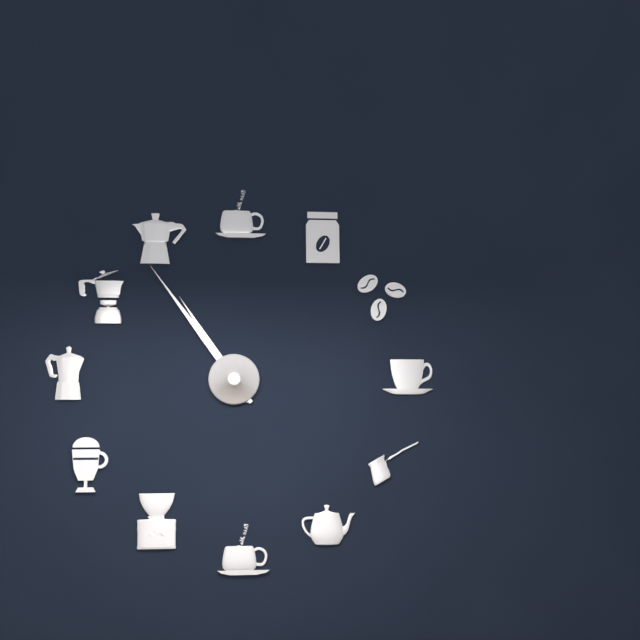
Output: 10h54
